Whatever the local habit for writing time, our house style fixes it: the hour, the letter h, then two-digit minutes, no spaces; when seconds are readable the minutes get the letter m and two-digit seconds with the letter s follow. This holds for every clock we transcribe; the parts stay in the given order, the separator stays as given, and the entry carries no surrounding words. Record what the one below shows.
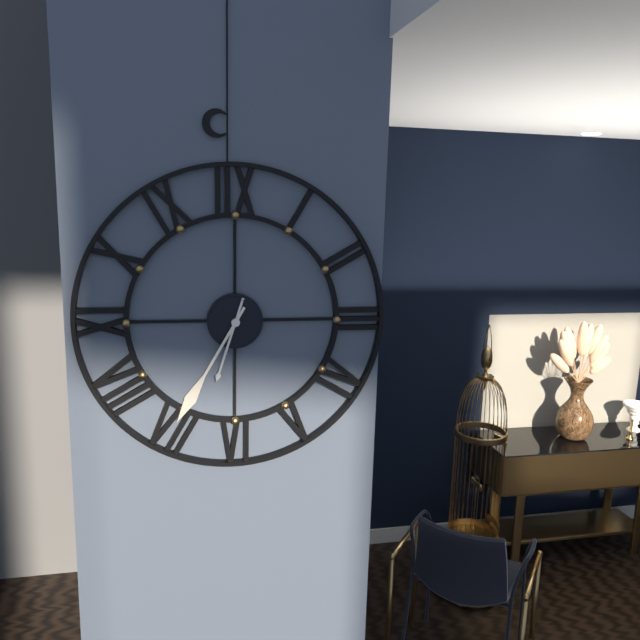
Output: 6h35
